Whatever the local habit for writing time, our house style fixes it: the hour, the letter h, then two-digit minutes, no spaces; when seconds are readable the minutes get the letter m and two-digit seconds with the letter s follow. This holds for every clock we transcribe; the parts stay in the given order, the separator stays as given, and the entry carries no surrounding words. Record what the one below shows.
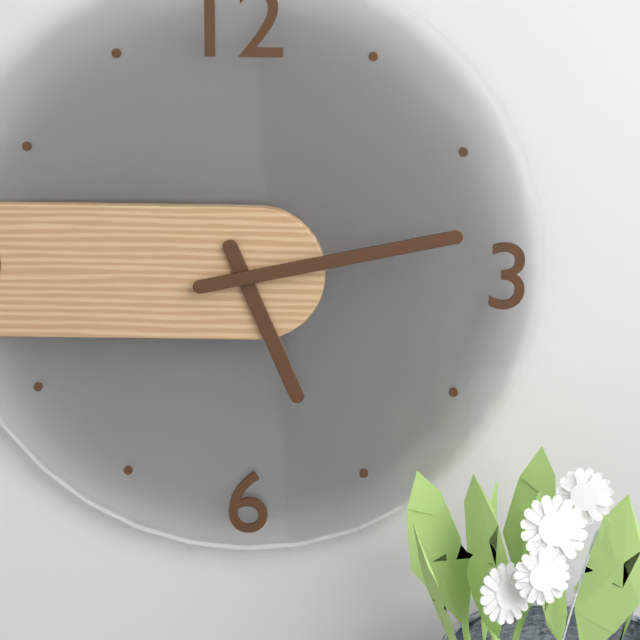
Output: 5h13
